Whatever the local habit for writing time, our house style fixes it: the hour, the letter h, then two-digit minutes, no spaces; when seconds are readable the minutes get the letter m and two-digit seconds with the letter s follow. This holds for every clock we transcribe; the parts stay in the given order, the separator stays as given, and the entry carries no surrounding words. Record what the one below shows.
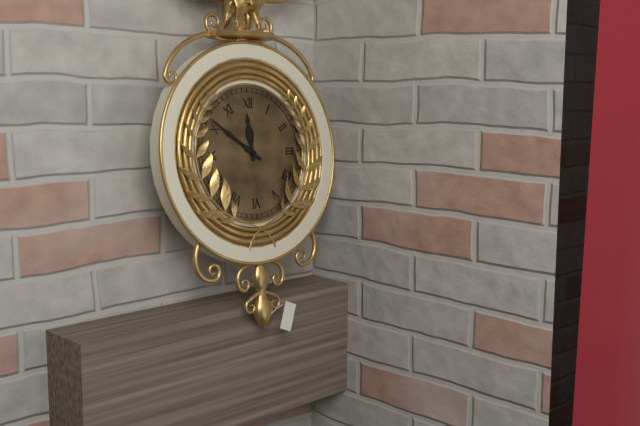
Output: 11h51
